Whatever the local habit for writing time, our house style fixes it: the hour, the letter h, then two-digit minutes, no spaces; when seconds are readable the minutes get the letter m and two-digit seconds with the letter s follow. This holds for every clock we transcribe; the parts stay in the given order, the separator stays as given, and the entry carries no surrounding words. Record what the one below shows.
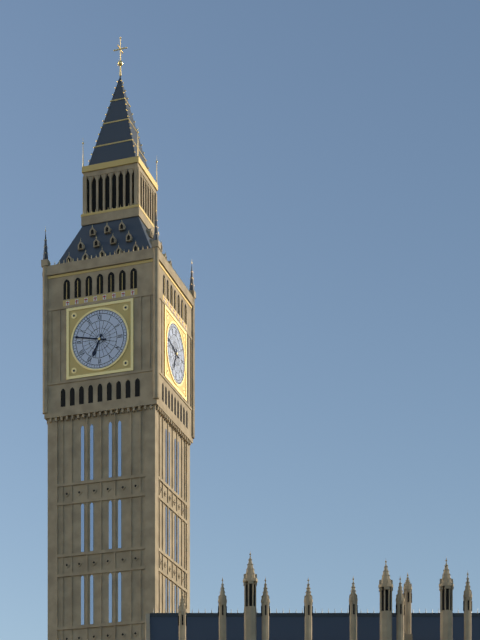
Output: 6h47
